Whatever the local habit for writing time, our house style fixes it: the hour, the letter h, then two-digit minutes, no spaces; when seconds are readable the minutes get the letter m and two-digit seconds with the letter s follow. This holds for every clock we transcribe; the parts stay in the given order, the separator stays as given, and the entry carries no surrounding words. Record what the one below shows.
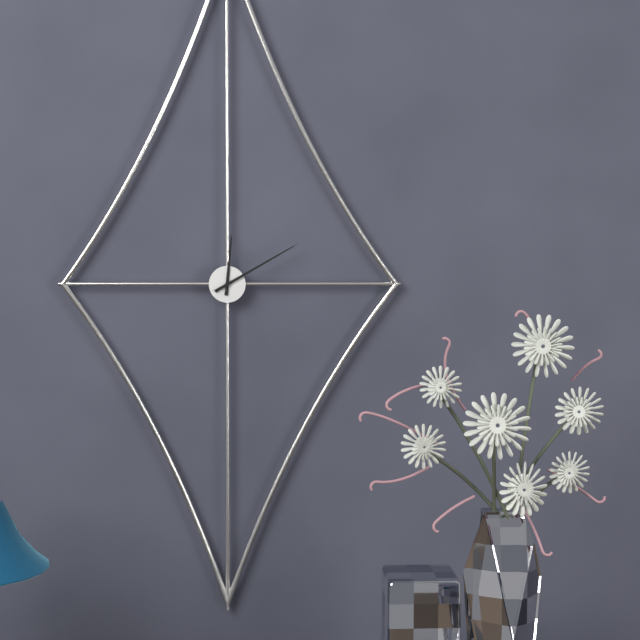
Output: 12h10
